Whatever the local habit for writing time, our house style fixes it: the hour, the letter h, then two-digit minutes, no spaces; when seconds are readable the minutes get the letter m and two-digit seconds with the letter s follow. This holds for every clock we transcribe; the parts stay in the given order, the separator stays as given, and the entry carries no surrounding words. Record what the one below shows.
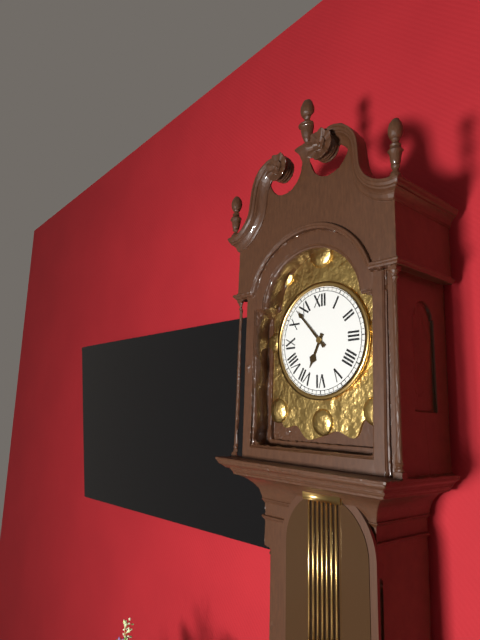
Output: 6h53
